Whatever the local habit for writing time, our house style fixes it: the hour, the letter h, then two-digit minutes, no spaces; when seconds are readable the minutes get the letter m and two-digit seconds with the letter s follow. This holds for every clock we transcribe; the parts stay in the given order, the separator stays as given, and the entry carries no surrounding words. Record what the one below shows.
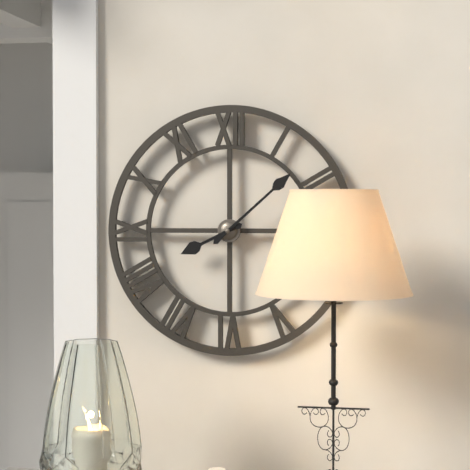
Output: 8h08
